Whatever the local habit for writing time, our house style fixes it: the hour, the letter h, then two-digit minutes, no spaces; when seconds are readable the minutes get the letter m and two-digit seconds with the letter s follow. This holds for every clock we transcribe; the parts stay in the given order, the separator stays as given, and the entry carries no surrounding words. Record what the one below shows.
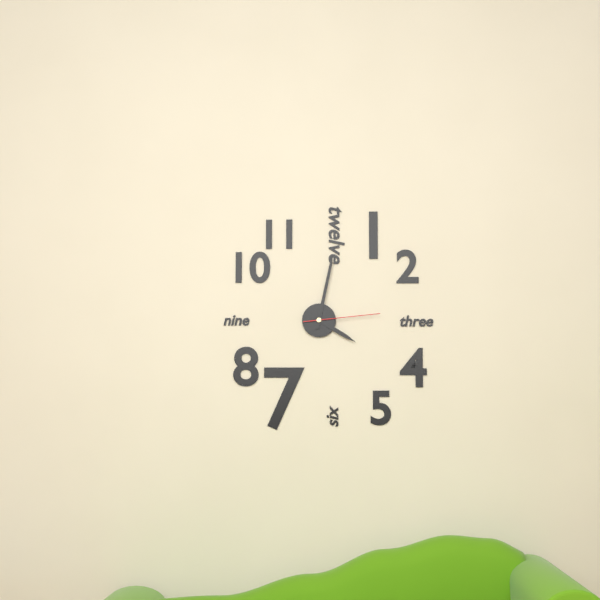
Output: 4h02m14s
